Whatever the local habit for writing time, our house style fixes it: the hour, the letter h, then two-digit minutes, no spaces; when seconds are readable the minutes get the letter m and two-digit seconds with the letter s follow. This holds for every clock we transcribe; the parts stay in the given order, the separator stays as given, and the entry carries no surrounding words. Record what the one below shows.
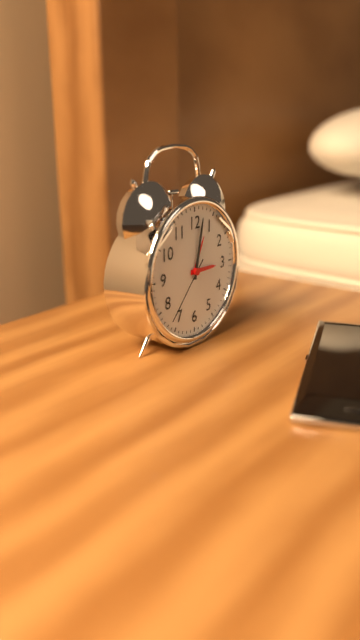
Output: 3h02m37s
